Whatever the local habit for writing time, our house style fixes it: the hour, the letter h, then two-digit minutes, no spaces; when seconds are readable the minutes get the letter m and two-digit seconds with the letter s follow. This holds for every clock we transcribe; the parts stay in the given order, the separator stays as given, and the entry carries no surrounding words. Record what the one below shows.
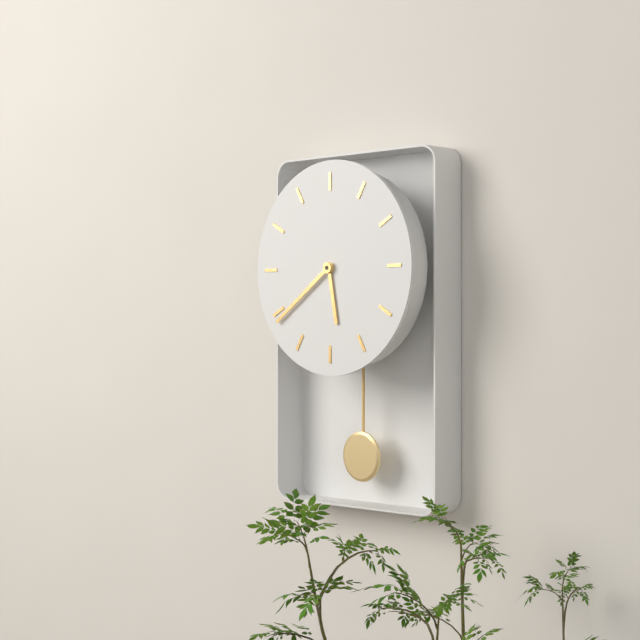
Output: 5h39
